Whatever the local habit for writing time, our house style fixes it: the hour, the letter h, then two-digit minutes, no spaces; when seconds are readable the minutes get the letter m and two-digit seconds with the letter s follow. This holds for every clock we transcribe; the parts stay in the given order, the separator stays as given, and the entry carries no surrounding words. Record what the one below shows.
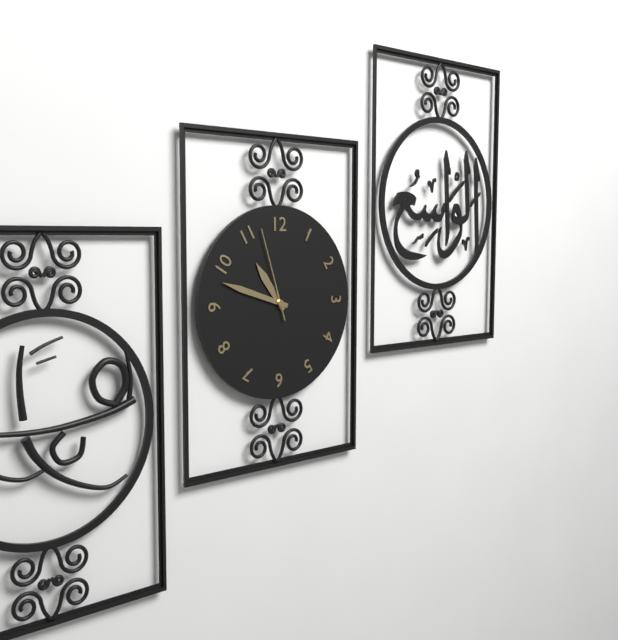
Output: 10h48m57s
